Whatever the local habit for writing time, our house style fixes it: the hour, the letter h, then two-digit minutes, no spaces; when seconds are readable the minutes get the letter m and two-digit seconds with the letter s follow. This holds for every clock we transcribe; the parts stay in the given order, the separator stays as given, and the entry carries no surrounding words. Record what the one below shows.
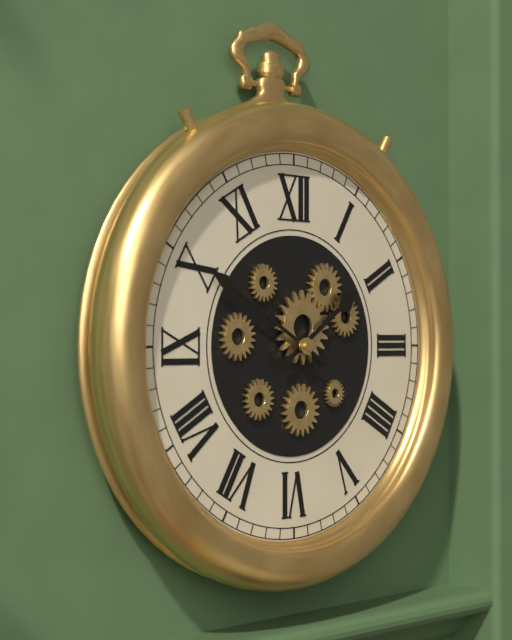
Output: 1h50
